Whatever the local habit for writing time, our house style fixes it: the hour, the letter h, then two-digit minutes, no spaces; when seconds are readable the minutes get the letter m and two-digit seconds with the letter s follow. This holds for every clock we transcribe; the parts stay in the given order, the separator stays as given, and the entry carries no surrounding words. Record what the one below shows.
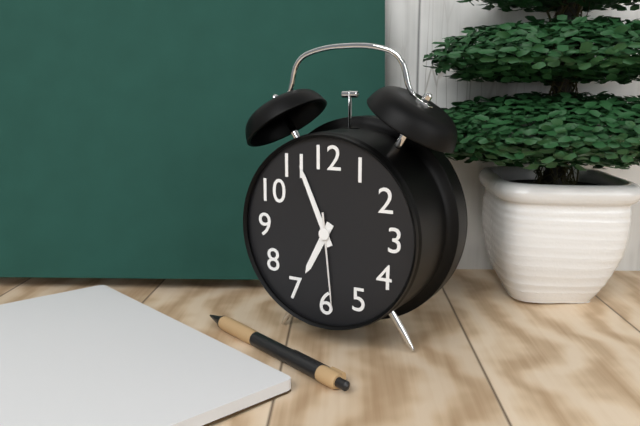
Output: 6h56m29s
